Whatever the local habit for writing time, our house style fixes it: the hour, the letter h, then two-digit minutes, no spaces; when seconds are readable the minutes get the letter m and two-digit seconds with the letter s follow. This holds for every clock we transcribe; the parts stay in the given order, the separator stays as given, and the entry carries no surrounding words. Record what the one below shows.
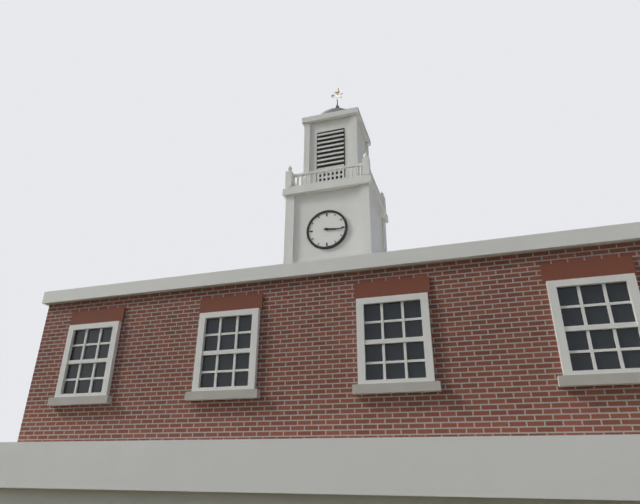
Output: 3h16
